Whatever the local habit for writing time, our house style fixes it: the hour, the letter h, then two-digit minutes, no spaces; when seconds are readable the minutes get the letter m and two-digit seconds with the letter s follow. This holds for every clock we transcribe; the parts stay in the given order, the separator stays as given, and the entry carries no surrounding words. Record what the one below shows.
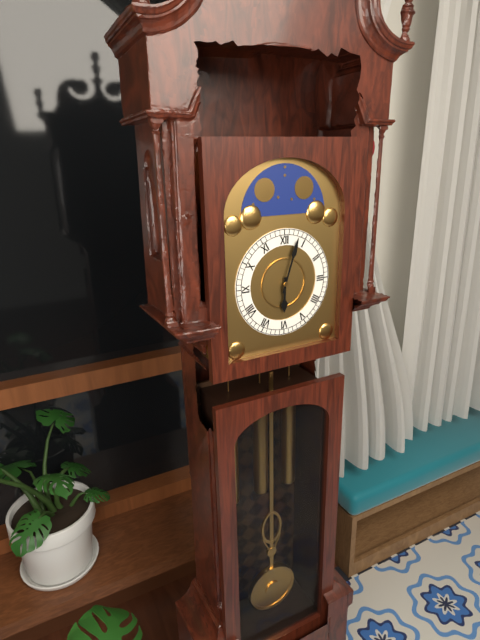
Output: 6h03
